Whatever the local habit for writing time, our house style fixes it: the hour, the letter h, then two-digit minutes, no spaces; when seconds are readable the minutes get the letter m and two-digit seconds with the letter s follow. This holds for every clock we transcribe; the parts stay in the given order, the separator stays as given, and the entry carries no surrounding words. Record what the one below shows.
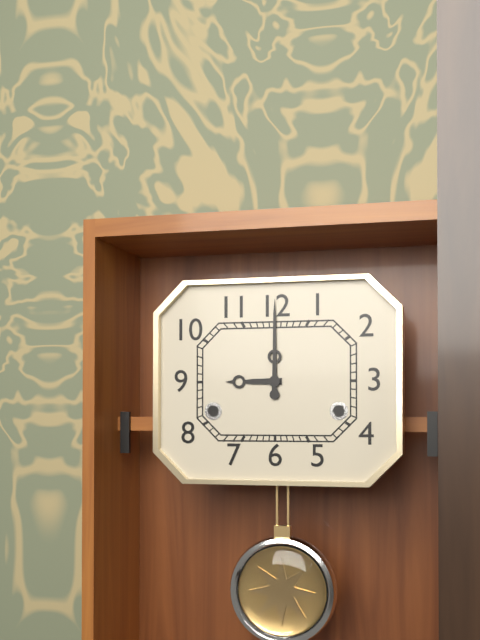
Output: 9h00
